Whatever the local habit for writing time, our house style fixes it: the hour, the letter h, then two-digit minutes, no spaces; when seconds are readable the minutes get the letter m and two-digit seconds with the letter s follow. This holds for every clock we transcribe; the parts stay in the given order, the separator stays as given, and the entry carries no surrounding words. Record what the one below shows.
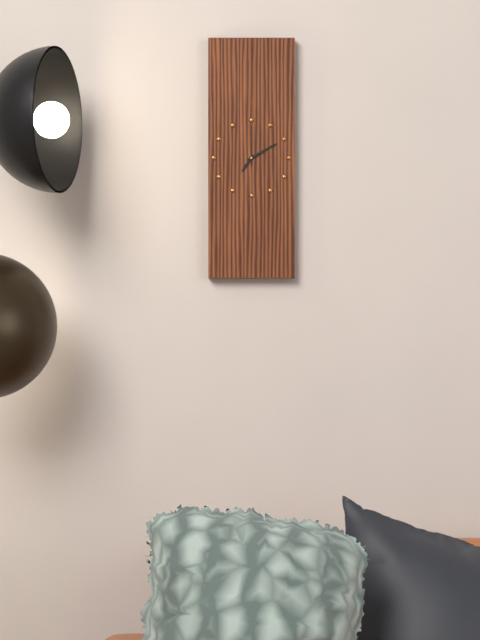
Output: 7h10
